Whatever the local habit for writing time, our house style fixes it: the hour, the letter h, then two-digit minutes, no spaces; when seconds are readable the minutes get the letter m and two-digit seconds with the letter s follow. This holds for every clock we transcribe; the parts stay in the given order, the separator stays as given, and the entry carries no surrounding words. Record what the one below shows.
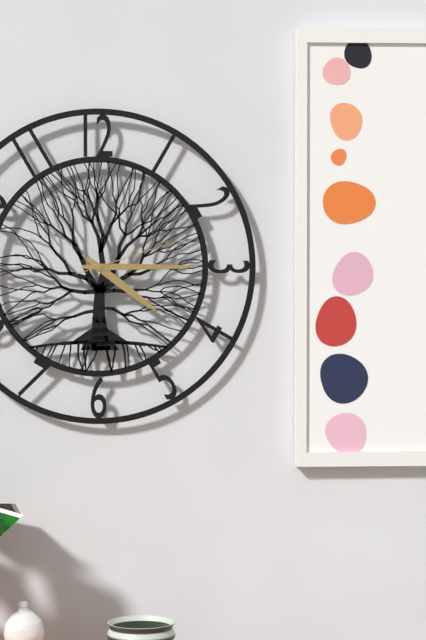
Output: 4h15m12s
